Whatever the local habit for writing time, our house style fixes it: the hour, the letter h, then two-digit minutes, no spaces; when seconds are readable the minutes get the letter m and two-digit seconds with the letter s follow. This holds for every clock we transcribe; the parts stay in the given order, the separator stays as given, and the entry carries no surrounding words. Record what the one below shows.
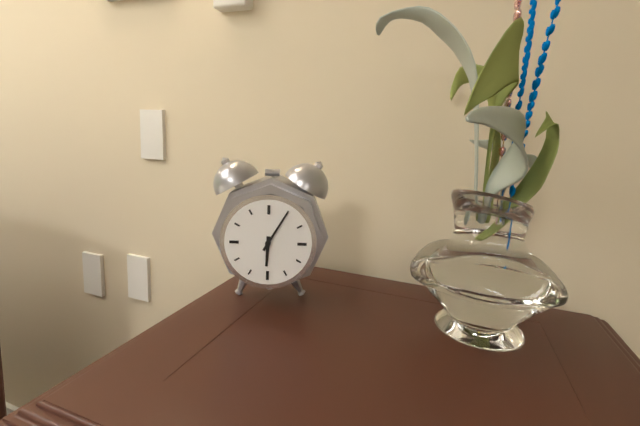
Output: 6h05
